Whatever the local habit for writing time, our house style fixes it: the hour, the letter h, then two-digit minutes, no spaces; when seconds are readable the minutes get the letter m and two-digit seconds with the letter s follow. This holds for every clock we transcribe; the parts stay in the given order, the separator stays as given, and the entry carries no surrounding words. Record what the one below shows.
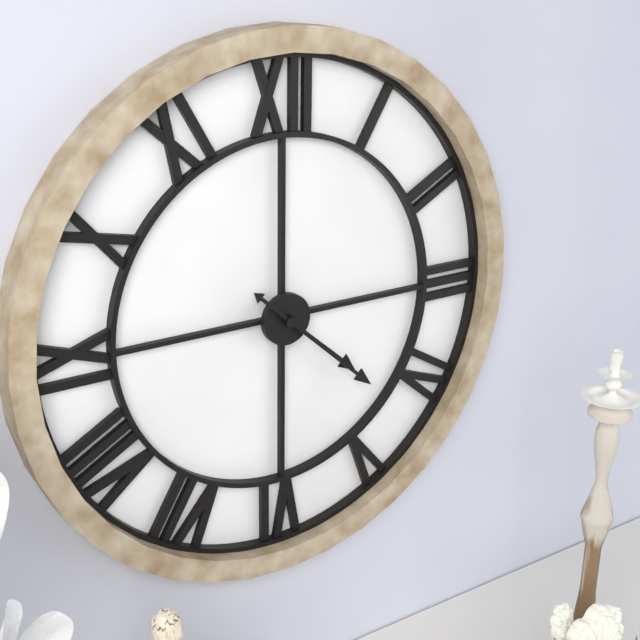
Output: 4h22
